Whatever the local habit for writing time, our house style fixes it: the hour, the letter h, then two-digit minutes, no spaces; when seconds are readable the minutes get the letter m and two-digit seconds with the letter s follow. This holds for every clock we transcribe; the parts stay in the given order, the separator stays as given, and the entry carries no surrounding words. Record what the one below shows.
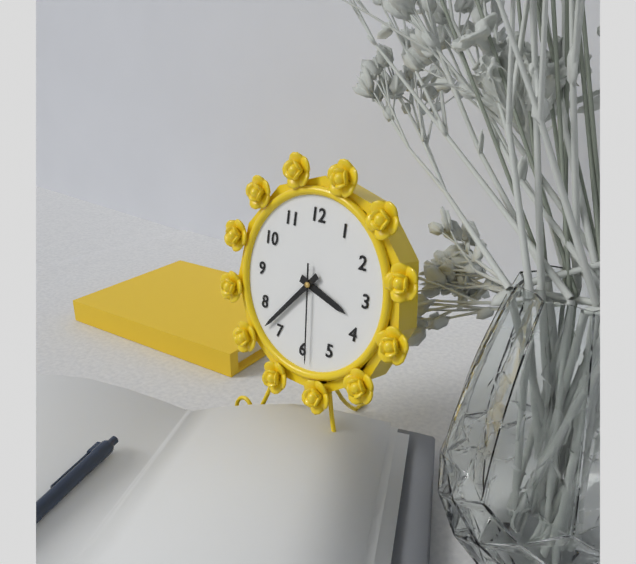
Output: 3h37m29s
